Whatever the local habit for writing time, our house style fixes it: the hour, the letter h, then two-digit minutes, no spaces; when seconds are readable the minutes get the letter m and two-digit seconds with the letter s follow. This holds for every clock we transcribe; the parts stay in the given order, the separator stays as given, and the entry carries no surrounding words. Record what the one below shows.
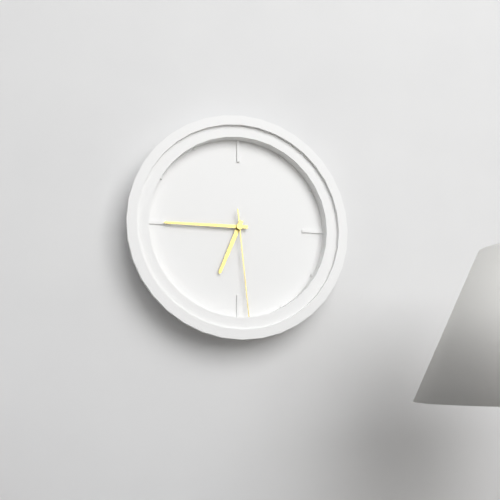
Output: 6h45m29s
